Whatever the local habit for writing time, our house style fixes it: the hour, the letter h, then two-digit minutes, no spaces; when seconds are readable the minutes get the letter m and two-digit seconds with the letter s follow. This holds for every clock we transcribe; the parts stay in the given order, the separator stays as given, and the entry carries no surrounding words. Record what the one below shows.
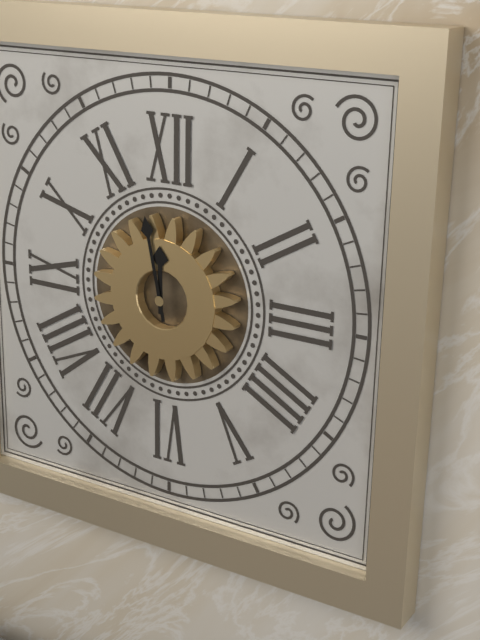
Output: 11h58
